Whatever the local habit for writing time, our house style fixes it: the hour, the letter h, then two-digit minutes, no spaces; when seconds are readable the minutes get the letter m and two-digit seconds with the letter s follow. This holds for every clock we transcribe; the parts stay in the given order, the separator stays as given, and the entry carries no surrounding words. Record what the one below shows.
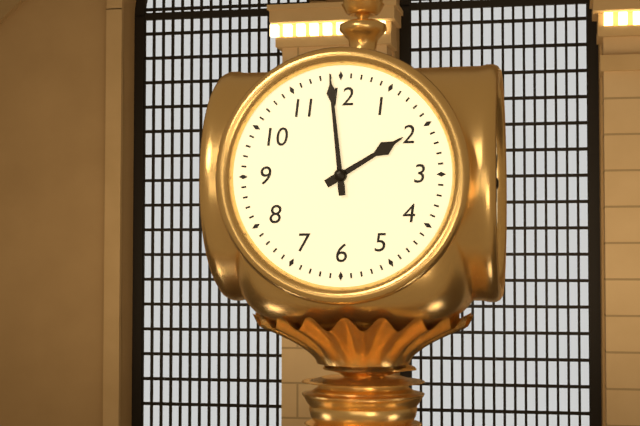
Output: 1h59
